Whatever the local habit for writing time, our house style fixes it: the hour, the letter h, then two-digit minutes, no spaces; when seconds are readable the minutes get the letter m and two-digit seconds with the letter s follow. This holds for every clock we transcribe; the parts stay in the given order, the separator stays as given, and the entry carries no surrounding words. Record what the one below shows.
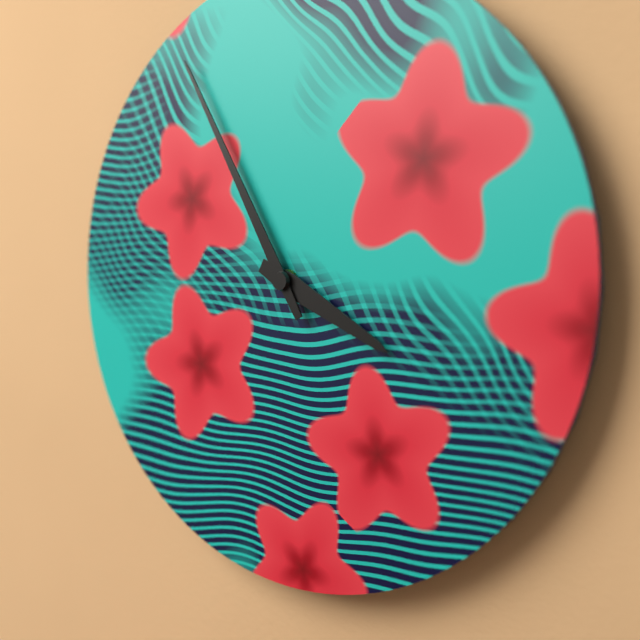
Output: 3h55
